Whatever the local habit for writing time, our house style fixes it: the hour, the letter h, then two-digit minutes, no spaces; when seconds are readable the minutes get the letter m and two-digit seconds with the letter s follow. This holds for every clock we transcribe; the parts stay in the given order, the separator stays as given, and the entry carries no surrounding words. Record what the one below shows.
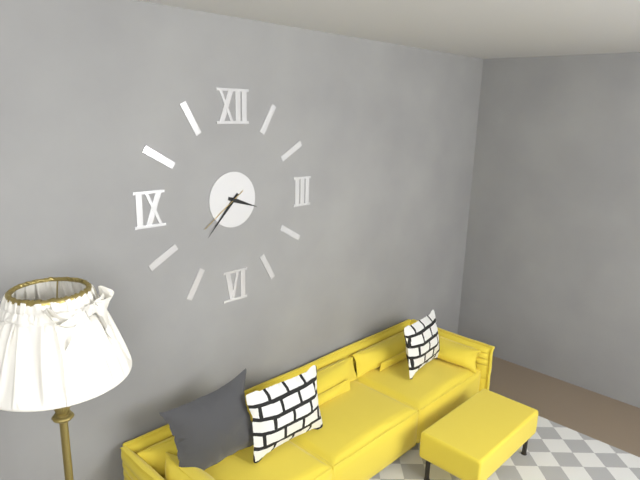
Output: 3h37m39s
